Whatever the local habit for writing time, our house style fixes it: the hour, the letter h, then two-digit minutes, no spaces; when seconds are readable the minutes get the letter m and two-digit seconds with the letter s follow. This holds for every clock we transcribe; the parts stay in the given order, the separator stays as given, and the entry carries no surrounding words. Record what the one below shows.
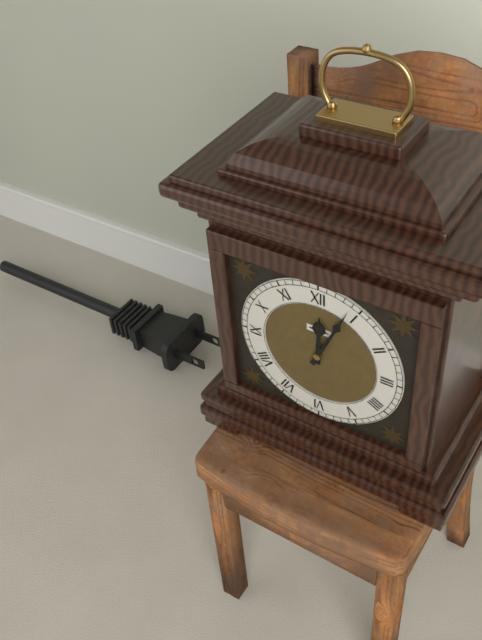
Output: 12h04
